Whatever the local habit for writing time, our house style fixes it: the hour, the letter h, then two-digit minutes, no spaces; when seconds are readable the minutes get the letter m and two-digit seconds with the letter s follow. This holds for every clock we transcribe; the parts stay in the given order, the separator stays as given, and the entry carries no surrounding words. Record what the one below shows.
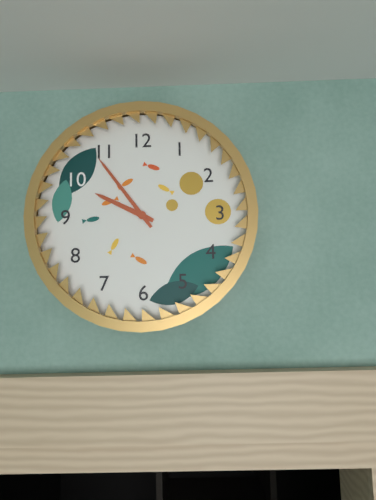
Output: 9h54
